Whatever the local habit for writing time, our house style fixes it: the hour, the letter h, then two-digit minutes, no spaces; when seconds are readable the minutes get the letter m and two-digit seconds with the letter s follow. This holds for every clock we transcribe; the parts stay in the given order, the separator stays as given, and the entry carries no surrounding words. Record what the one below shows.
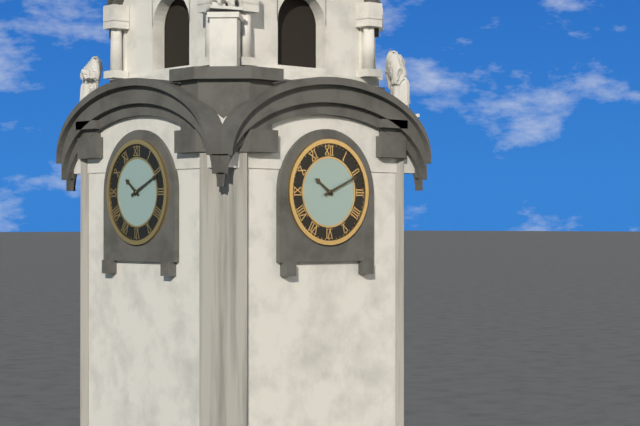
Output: 10h11
